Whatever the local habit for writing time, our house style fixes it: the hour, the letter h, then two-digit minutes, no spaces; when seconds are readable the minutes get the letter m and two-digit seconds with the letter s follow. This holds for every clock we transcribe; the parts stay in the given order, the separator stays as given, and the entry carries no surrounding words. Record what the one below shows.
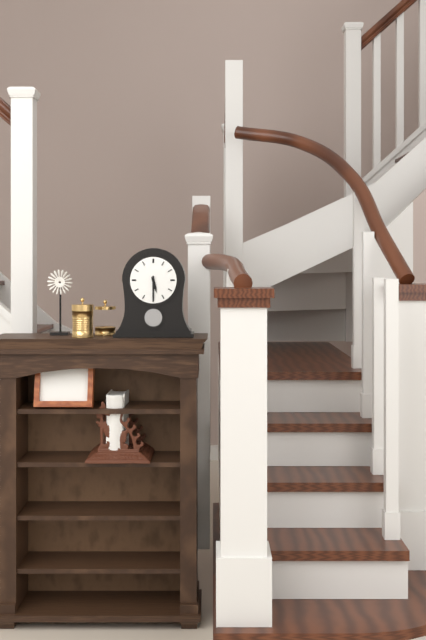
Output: 5h30
